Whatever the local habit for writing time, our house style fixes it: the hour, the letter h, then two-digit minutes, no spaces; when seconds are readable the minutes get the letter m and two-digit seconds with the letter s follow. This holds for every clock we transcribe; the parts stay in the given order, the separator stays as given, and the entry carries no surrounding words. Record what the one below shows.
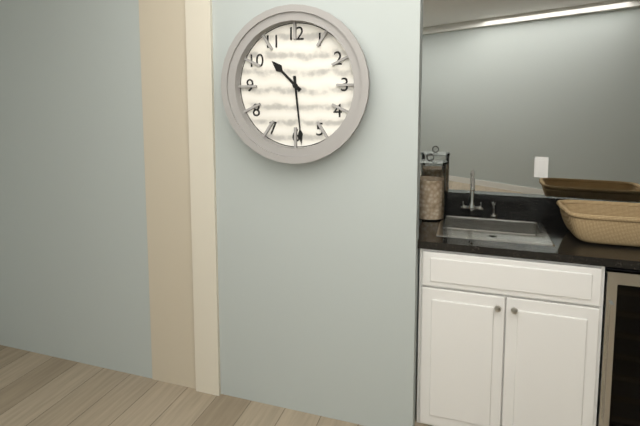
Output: 10h29
